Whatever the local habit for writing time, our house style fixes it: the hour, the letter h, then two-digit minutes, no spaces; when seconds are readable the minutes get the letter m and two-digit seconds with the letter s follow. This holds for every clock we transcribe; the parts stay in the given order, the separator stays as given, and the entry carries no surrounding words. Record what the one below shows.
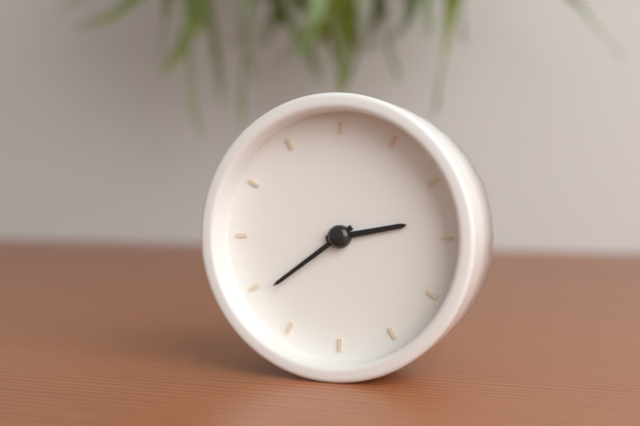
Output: 2h39
